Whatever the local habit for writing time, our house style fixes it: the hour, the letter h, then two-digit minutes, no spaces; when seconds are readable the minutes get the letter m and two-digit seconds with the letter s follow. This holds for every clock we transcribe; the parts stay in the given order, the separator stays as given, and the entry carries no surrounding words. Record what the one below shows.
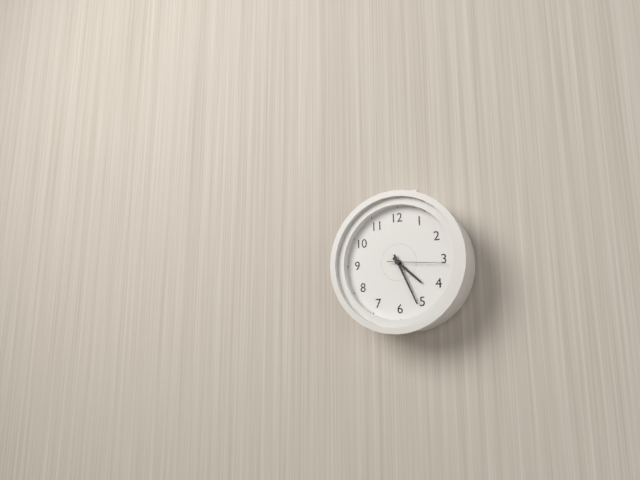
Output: 4h26m16s
